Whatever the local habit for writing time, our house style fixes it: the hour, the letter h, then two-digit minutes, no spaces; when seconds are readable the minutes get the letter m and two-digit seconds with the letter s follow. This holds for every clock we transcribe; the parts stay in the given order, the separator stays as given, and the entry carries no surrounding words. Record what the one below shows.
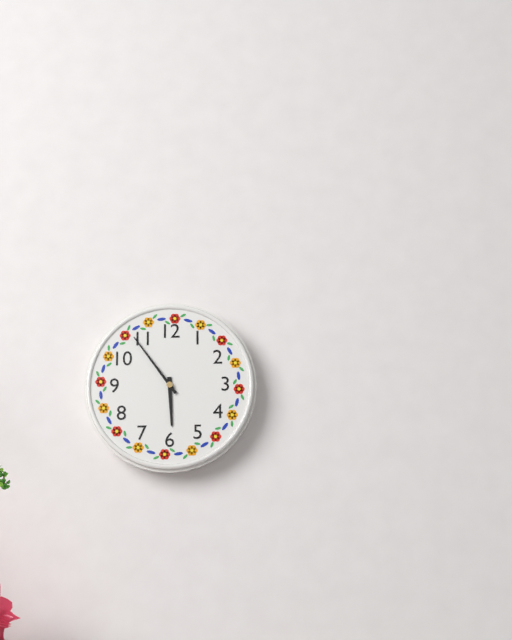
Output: 5h54
